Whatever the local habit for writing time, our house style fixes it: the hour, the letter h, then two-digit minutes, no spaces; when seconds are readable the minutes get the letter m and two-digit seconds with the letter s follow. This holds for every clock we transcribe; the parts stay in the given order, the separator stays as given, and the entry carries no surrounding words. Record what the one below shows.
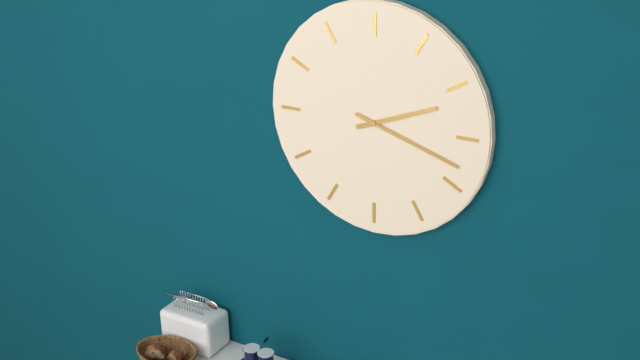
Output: 2h18
